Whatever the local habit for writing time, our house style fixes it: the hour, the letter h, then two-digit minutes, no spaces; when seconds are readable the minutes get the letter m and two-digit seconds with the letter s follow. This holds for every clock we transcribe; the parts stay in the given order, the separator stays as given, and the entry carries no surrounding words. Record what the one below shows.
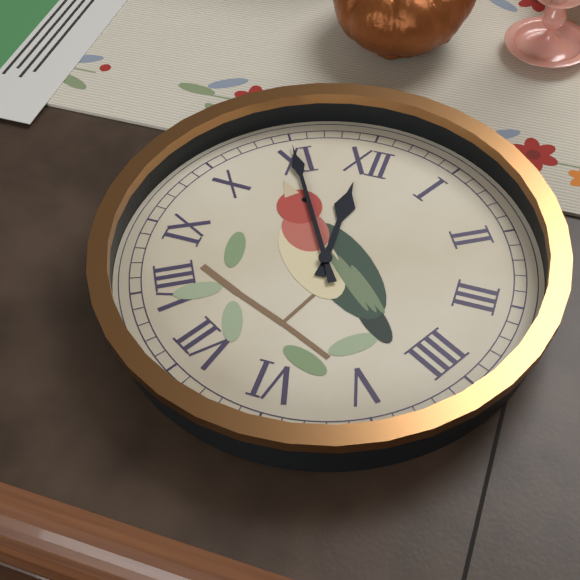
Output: 11h55
